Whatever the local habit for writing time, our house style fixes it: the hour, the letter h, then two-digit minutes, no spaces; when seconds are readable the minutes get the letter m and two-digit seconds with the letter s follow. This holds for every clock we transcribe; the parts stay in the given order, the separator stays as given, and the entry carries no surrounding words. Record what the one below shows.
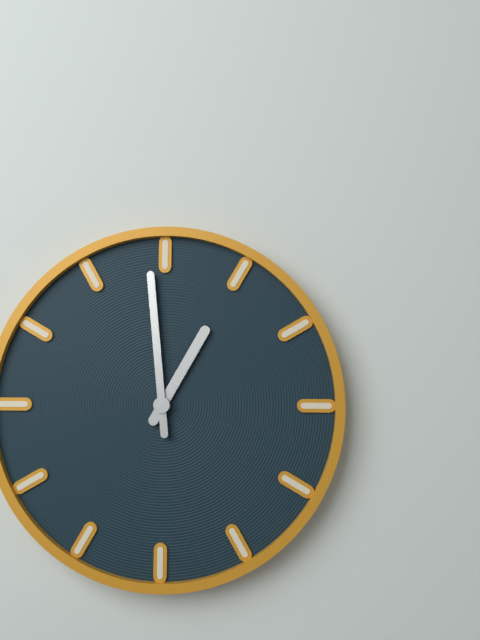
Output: 12h59
